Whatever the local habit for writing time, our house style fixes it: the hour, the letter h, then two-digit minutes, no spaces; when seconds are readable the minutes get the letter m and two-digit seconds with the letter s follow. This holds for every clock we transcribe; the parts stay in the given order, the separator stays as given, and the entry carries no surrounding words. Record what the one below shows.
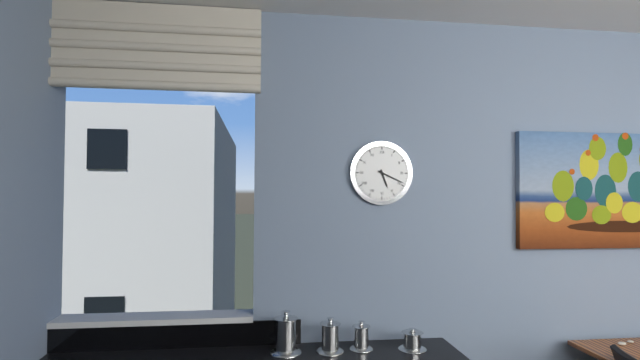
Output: 5h19
